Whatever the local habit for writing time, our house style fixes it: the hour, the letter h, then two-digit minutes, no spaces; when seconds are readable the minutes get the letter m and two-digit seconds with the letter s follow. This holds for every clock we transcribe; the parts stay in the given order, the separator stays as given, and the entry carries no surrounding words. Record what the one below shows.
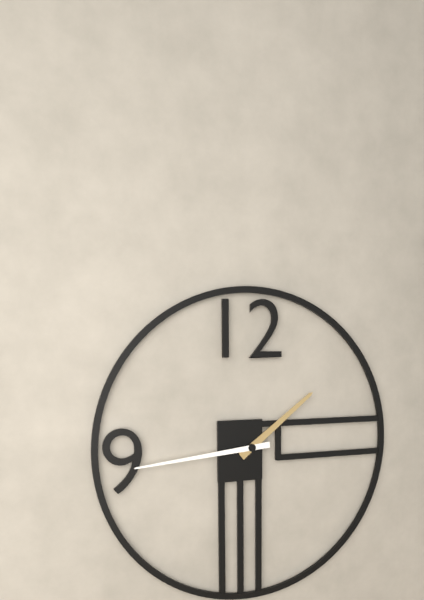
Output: 1h44
